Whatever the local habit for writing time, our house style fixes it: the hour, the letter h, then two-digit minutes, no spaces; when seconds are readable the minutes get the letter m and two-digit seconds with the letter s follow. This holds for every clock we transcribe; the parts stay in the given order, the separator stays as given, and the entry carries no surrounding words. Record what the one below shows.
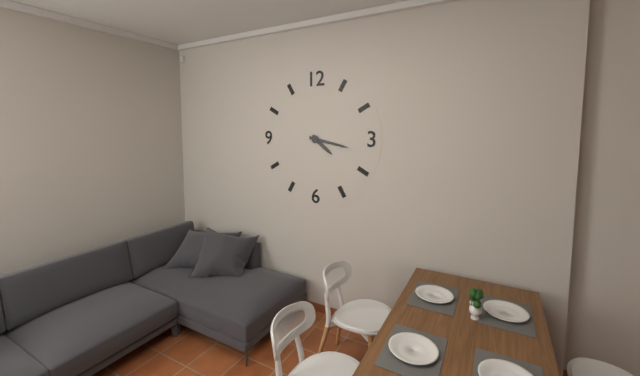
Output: 4h17
